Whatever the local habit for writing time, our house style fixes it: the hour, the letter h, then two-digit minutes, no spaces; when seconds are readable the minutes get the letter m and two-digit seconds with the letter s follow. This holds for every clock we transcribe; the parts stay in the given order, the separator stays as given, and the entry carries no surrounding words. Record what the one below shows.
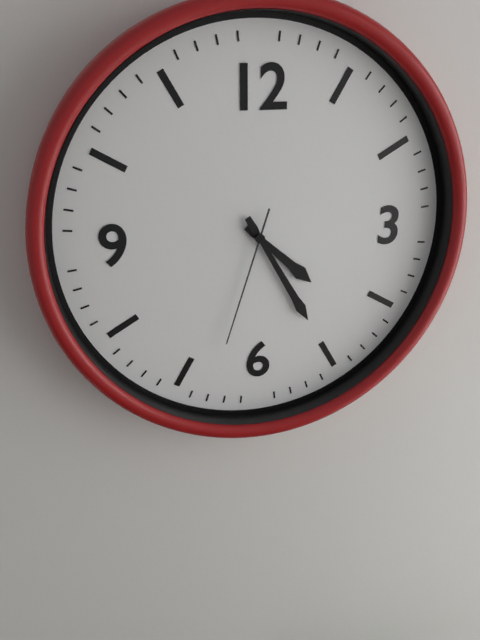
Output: 4h25m33s
